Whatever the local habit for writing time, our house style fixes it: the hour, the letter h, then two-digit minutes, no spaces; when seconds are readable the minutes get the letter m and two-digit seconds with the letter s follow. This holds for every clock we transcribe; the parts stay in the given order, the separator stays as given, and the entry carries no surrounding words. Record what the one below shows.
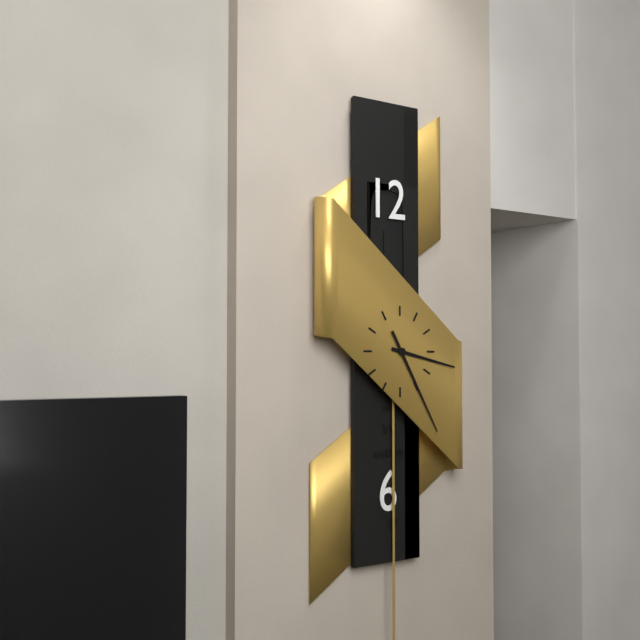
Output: 3h25
